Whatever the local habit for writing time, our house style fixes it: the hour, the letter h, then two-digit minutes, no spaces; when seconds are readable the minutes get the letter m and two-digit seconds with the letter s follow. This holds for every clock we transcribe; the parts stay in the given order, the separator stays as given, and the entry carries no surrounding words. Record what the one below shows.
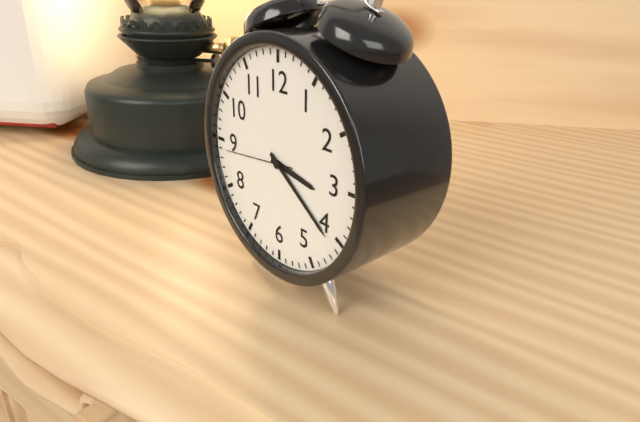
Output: 3h21m44s
